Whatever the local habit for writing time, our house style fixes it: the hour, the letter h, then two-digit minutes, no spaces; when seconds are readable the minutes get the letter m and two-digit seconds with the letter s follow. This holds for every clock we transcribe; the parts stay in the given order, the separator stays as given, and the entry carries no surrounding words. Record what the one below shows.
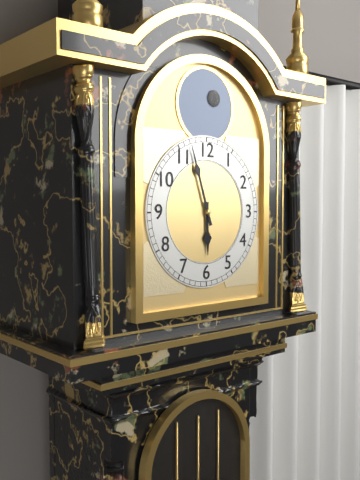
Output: 5h57
